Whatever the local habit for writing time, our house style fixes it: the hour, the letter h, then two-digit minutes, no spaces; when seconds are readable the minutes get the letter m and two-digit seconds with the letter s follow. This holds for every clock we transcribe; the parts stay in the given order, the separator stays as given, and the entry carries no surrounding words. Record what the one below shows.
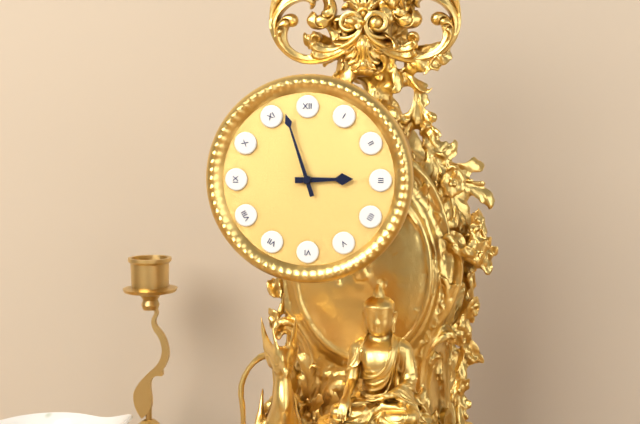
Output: 2h57
